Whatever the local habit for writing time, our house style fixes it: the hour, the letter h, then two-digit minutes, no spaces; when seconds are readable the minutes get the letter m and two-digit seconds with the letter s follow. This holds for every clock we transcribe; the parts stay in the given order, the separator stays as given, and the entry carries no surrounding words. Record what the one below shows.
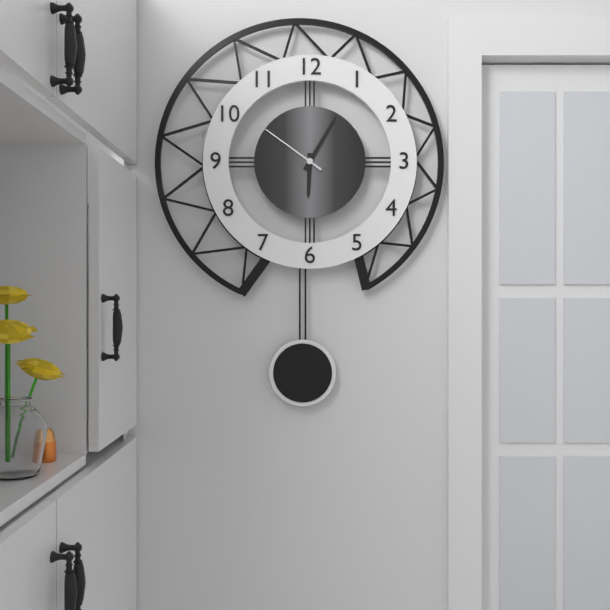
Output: 6h05m51s
